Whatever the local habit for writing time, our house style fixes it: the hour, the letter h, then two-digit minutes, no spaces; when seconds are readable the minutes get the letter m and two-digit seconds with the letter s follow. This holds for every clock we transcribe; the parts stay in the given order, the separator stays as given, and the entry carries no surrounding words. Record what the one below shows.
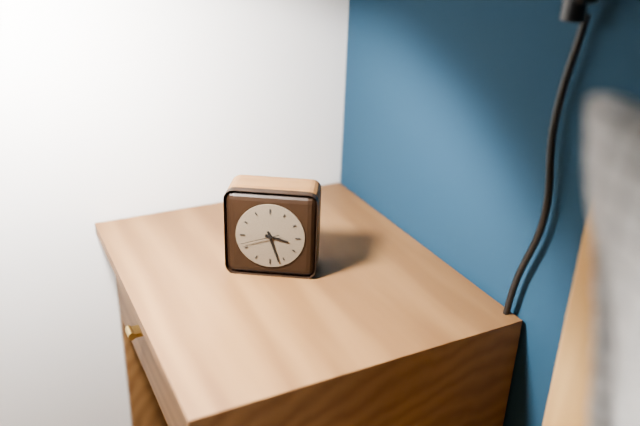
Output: 3h27
